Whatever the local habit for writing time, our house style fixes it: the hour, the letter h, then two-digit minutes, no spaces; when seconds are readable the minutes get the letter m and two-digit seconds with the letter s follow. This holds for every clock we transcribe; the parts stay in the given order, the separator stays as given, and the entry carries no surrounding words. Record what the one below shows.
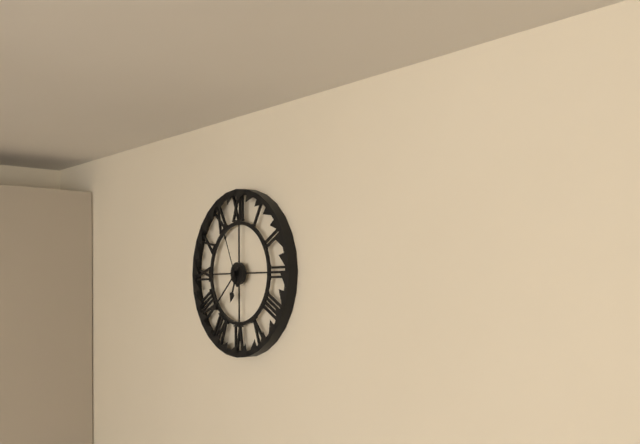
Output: 6h38m56s
